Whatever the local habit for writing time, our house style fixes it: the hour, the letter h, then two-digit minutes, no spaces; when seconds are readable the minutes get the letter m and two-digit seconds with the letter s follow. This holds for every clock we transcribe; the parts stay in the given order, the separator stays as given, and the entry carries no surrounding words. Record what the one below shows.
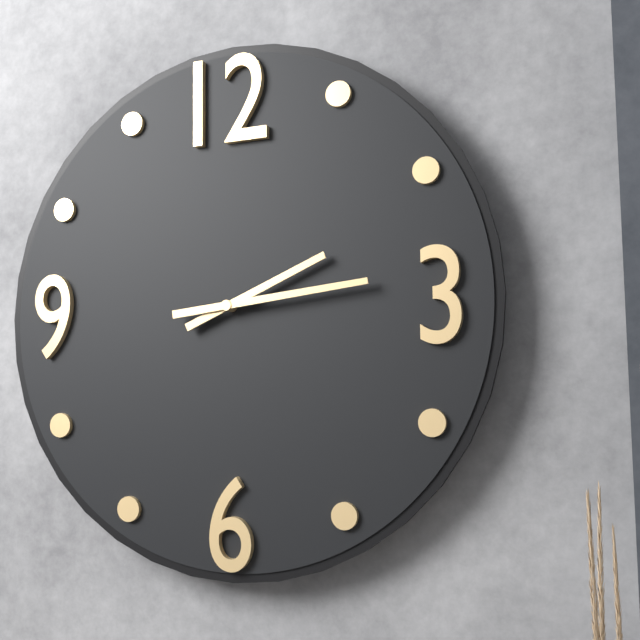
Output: 2h14
